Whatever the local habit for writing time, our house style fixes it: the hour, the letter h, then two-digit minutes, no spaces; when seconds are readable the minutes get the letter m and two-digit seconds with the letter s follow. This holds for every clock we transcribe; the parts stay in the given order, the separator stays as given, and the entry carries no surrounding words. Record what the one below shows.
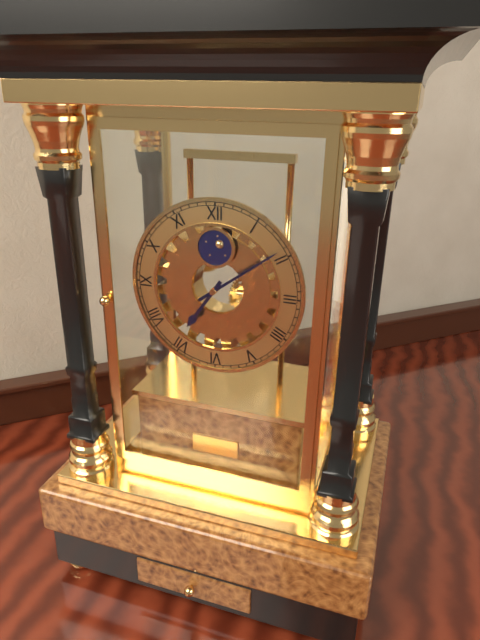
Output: 7h09
